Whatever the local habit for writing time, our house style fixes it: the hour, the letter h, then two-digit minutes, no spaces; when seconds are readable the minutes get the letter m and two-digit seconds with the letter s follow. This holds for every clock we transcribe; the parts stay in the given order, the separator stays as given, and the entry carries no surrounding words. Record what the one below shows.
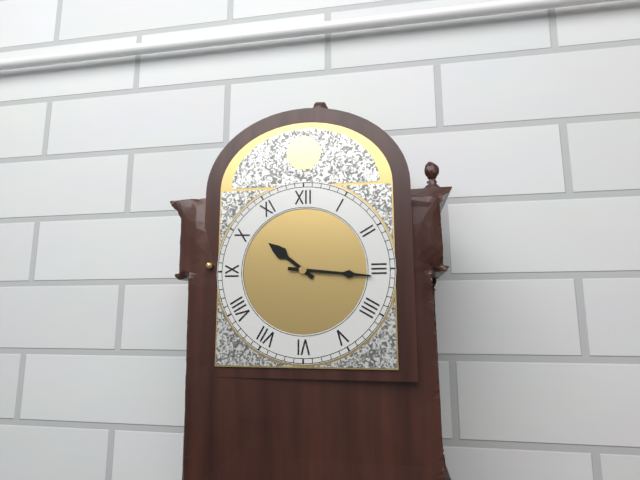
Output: 10h16
